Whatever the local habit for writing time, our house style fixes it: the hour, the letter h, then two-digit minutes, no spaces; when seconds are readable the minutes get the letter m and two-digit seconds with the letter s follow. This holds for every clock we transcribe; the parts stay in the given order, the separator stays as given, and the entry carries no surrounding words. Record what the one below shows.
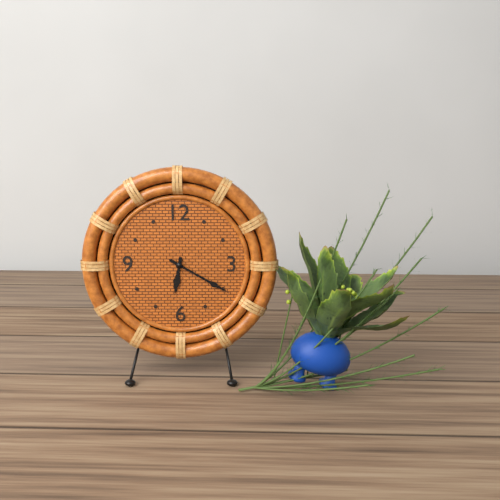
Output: 6h20
